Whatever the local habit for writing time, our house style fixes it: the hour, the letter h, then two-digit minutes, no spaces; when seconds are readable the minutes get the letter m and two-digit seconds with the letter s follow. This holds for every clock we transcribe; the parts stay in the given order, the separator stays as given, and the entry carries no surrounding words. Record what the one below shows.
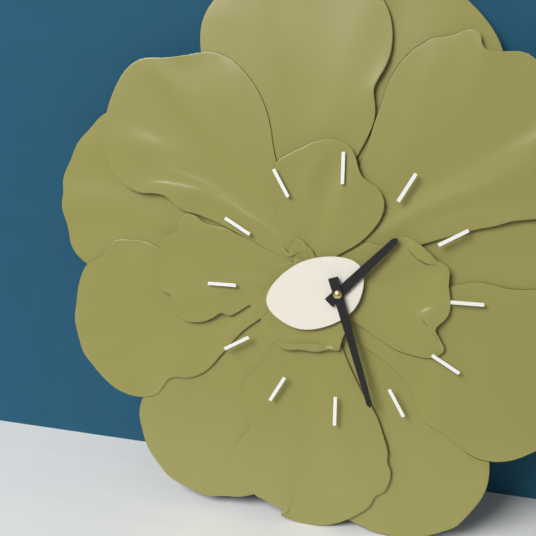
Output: 1h27
